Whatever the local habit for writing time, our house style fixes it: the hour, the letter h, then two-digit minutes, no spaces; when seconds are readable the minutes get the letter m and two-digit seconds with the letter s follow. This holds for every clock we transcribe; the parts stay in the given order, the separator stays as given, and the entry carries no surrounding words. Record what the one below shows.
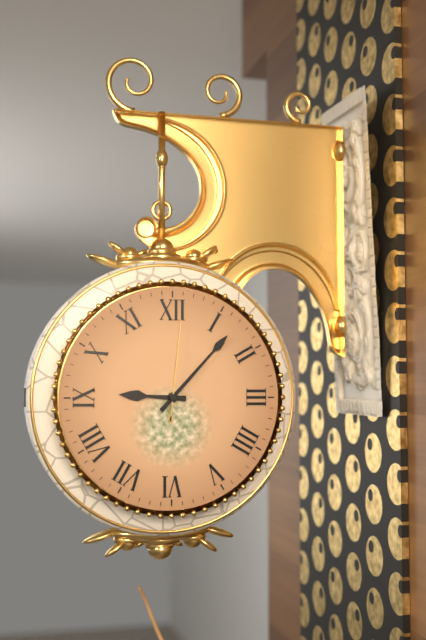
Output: 9h07m01s
